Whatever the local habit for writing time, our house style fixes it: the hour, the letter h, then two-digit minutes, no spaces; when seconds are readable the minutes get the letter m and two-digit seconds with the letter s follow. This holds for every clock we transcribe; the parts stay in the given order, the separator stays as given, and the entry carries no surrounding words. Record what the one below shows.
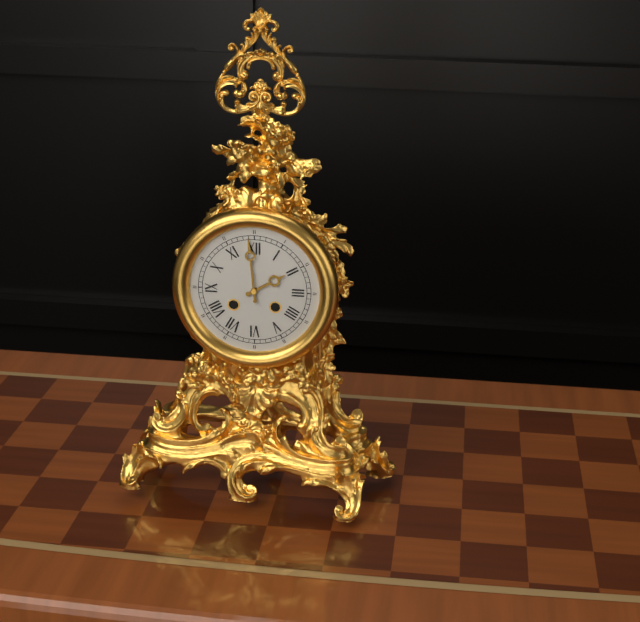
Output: 1h59
